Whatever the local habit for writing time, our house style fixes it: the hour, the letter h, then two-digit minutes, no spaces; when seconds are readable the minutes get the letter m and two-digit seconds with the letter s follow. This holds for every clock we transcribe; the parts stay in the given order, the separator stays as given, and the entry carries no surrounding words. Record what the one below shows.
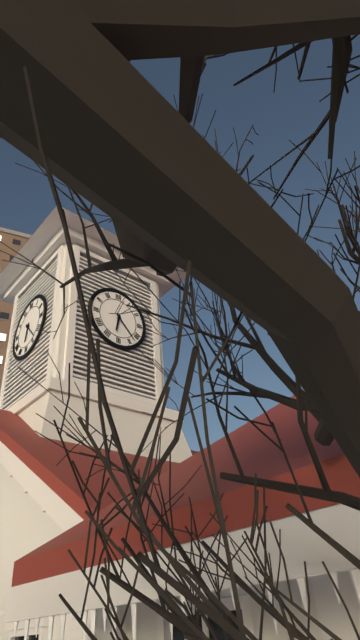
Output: 6h23
